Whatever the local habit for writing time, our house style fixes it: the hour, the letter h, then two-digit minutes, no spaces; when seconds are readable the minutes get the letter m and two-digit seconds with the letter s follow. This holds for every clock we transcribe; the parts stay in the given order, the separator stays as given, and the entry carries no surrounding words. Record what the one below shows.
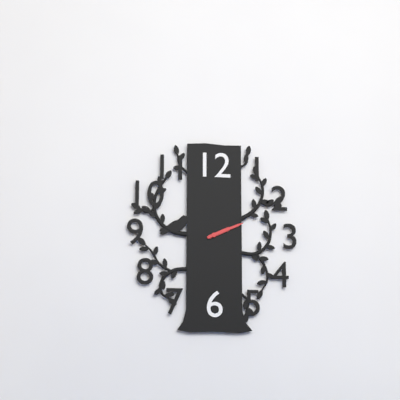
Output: 2h11
